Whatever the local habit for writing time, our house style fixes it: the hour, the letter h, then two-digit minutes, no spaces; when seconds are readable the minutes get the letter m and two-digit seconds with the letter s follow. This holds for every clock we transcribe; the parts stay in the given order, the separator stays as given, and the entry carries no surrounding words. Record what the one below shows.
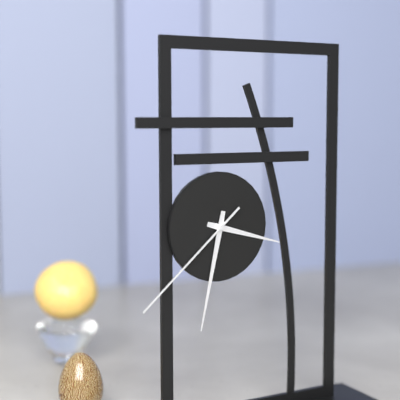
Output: 3h32m38s
